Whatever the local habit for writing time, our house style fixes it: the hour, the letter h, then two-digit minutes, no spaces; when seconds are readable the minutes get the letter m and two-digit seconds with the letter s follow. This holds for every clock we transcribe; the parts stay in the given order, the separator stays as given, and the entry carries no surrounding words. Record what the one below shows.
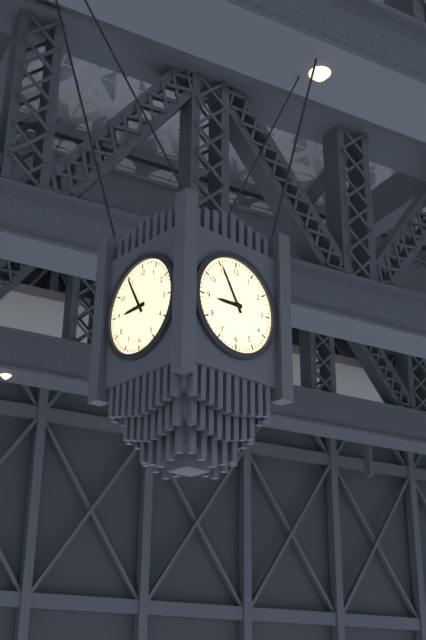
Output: 8h55
